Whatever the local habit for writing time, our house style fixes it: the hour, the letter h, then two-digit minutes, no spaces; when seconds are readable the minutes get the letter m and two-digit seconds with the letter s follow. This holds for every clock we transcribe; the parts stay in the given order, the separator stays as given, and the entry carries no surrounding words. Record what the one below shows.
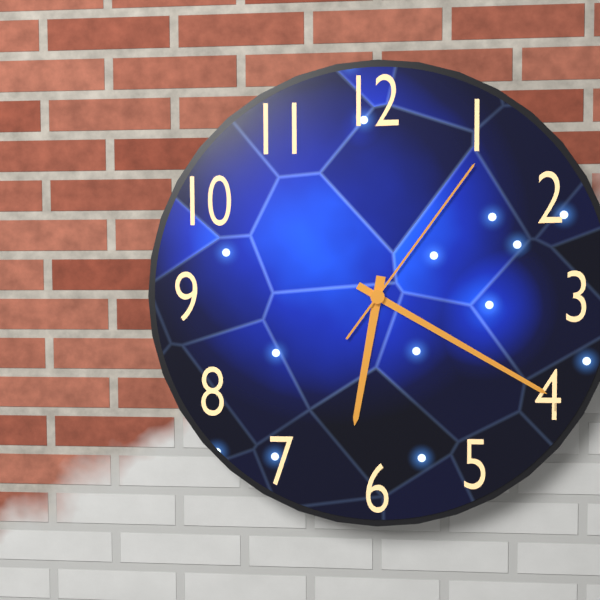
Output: 6h20m06s
